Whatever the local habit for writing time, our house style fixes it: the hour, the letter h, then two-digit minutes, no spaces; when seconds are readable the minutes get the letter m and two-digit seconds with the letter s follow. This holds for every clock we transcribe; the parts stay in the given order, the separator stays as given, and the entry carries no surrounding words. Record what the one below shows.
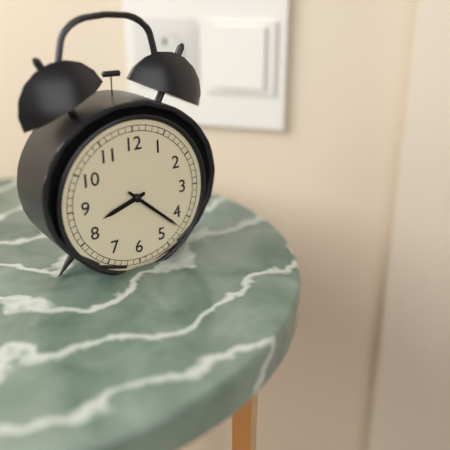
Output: 8h22
